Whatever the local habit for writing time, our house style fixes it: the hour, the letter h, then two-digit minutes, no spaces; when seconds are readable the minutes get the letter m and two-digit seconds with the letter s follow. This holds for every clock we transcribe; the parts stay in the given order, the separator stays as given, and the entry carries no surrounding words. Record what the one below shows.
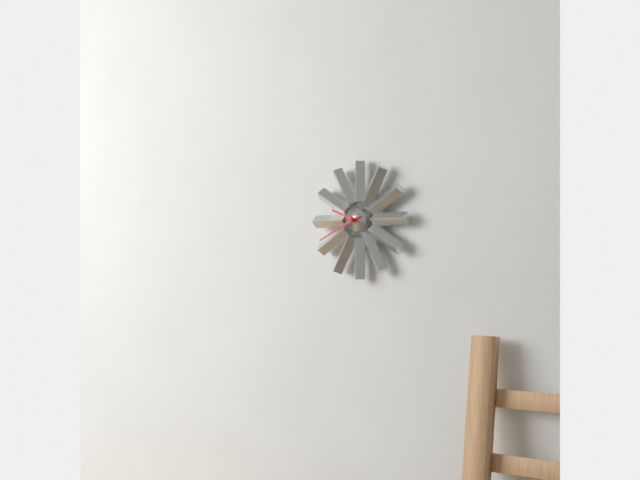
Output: 9h41
